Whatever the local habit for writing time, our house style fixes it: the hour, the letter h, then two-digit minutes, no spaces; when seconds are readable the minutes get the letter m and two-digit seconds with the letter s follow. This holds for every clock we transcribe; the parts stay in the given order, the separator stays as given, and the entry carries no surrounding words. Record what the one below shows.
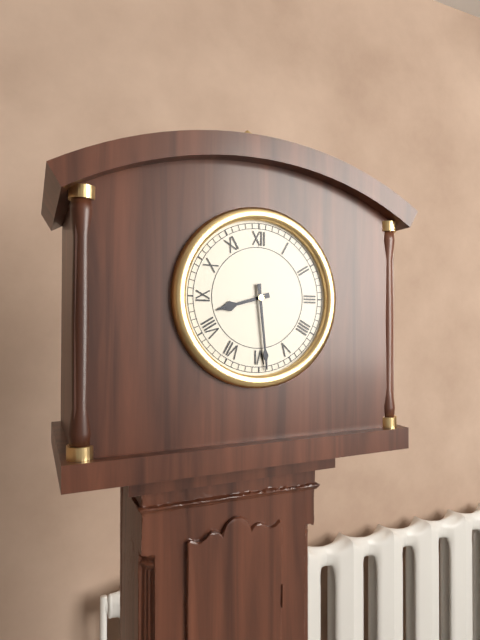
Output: 8h29
